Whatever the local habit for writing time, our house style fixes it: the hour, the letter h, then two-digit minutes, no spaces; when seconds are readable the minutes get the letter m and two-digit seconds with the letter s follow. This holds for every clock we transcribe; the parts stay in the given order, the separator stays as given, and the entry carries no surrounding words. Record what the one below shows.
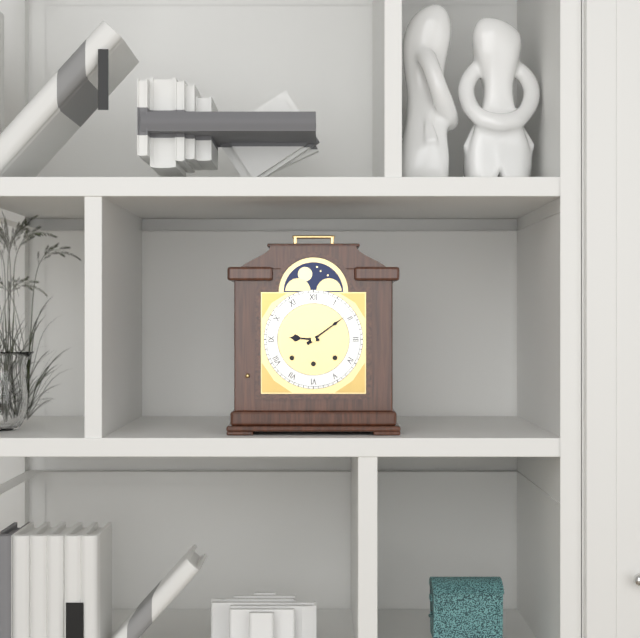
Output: 9h09
